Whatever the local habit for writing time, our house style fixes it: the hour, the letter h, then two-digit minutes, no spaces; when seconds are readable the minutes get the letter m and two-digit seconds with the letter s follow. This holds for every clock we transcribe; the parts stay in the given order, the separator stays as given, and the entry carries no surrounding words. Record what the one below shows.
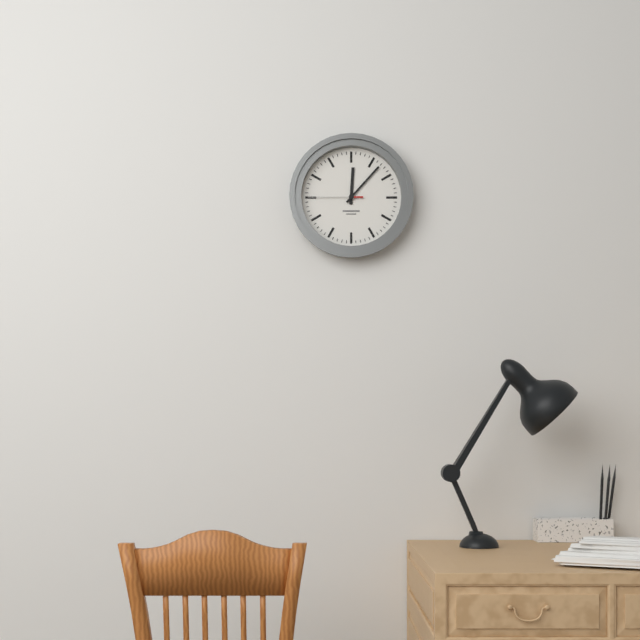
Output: 12h07m45s
